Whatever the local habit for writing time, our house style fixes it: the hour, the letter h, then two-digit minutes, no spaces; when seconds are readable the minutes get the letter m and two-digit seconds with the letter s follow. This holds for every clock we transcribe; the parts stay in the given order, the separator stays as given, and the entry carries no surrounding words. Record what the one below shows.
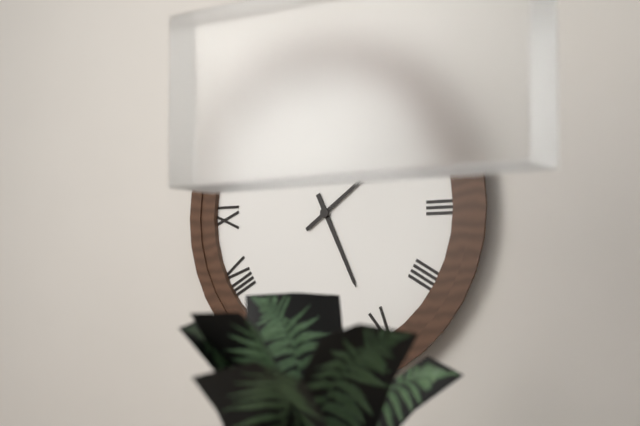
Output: 5h09
